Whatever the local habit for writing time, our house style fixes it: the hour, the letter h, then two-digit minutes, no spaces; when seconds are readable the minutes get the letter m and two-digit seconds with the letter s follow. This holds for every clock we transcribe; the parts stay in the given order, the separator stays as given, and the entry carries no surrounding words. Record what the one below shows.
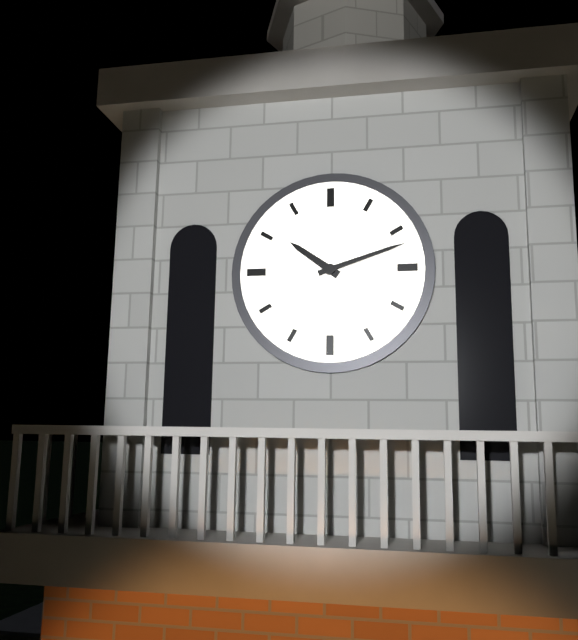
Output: 10h12
